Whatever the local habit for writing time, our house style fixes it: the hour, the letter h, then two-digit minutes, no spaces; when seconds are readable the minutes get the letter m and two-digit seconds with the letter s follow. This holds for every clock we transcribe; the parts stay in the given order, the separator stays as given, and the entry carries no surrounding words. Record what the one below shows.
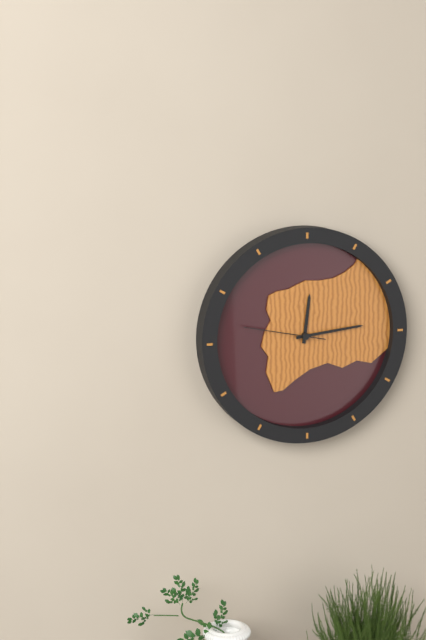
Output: 12h14m47s
